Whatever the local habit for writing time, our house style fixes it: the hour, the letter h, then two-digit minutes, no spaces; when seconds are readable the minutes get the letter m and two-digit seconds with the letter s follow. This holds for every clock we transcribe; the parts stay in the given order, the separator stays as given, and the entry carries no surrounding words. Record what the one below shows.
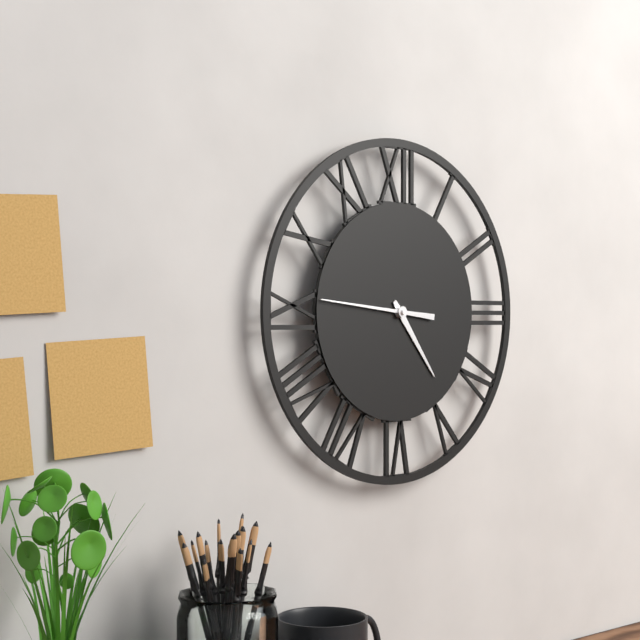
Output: 4h46
